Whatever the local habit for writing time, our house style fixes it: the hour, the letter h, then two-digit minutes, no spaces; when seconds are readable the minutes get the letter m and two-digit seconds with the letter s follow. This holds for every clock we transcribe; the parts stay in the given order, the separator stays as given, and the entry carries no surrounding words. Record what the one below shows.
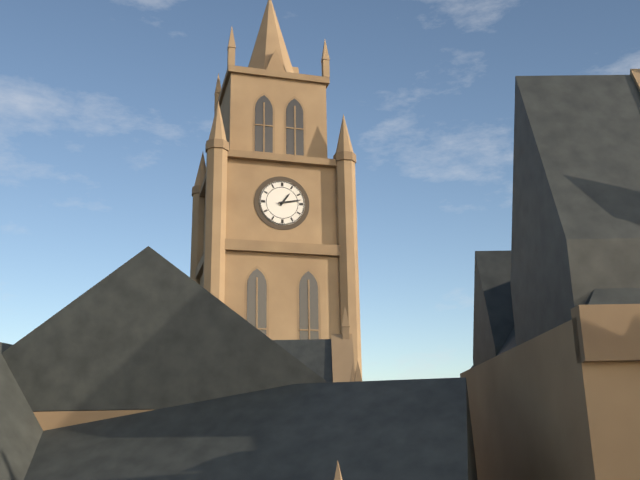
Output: 1h13
